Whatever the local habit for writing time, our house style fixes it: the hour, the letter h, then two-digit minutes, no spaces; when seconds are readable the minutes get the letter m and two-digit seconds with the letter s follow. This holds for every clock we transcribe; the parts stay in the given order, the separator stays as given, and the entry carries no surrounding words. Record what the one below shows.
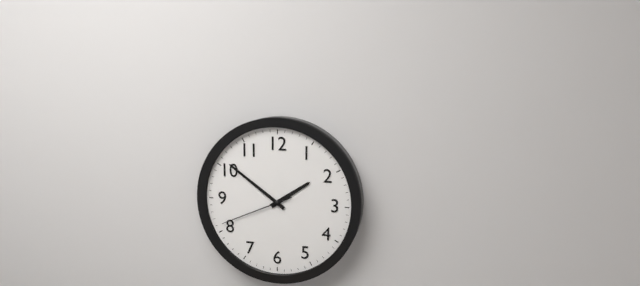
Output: 1h51m41s
